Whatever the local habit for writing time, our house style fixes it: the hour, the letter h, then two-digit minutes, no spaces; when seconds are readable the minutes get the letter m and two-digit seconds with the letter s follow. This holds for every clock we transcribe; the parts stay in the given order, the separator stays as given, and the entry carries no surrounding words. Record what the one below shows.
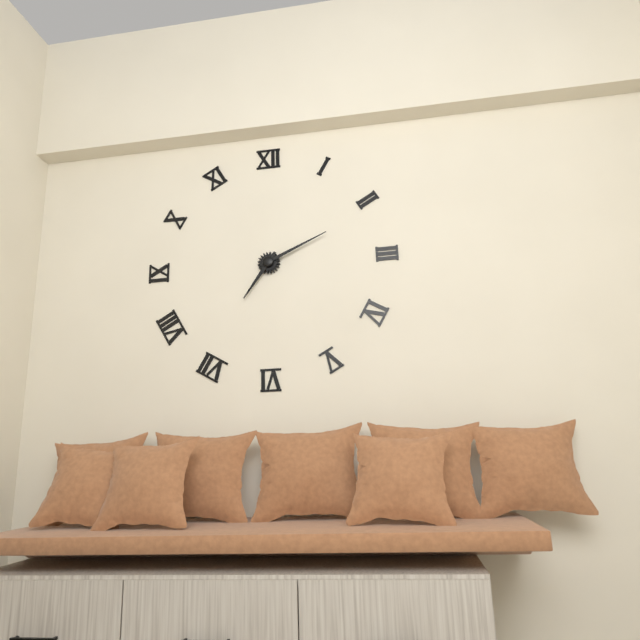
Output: 7h11
